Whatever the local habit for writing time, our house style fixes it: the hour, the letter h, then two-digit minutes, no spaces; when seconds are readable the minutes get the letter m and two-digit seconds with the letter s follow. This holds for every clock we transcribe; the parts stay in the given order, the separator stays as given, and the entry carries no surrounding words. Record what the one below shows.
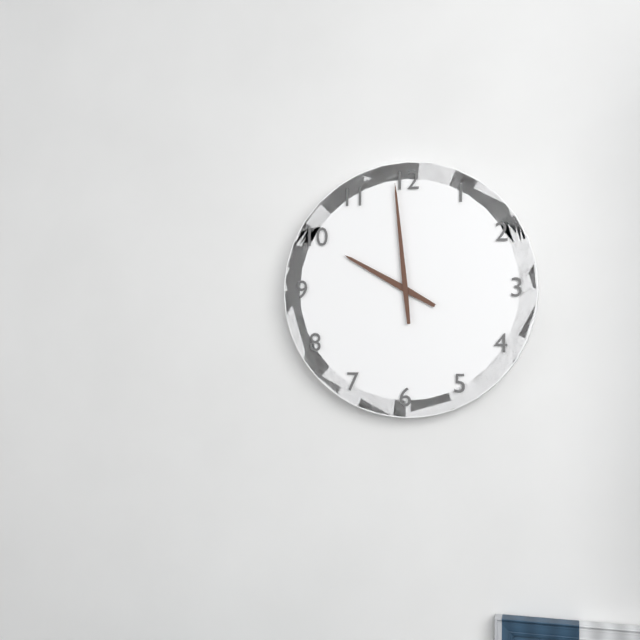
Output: 9h59
